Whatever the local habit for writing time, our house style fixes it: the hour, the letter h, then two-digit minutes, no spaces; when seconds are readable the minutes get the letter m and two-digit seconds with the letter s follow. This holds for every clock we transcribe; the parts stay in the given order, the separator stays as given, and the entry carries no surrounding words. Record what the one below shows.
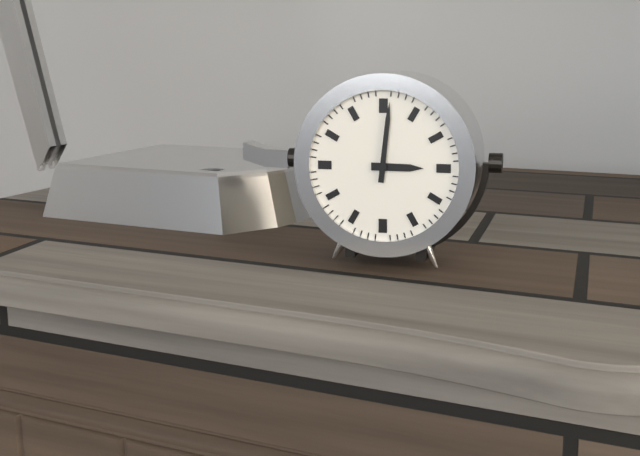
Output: 3h01
